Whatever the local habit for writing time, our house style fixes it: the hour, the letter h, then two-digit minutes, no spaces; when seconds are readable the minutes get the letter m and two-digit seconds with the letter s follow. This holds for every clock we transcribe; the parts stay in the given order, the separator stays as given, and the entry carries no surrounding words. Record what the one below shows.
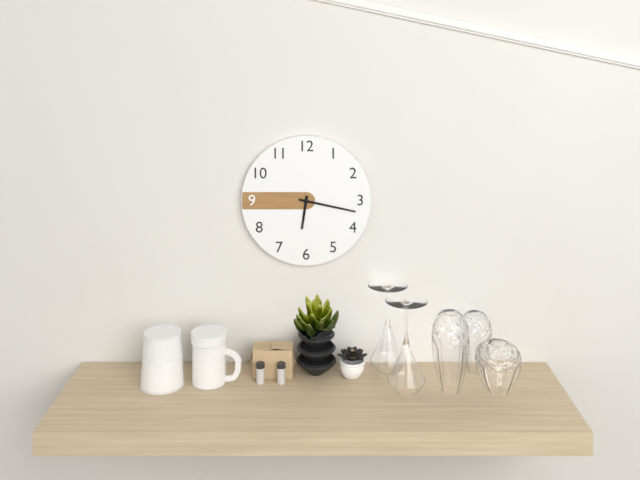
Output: 6h17
